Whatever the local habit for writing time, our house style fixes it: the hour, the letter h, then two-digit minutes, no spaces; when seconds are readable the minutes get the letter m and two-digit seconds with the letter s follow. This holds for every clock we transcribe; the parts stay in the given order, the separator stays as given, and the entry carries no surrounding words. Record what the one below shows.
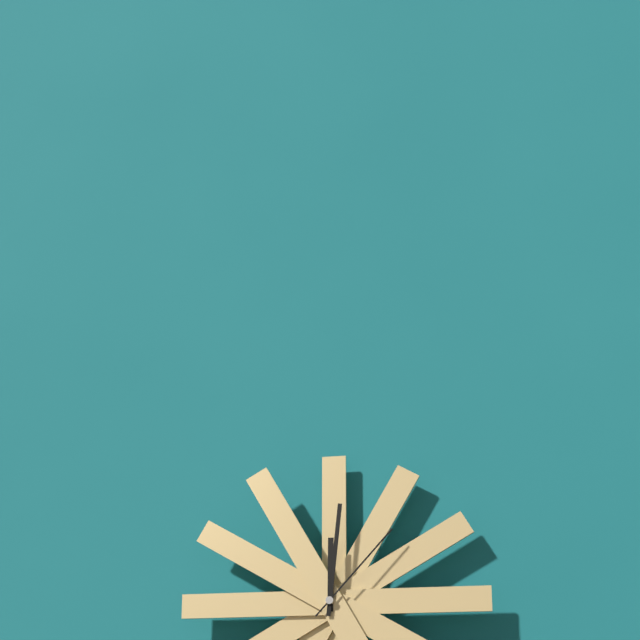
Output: 12h01m07s
